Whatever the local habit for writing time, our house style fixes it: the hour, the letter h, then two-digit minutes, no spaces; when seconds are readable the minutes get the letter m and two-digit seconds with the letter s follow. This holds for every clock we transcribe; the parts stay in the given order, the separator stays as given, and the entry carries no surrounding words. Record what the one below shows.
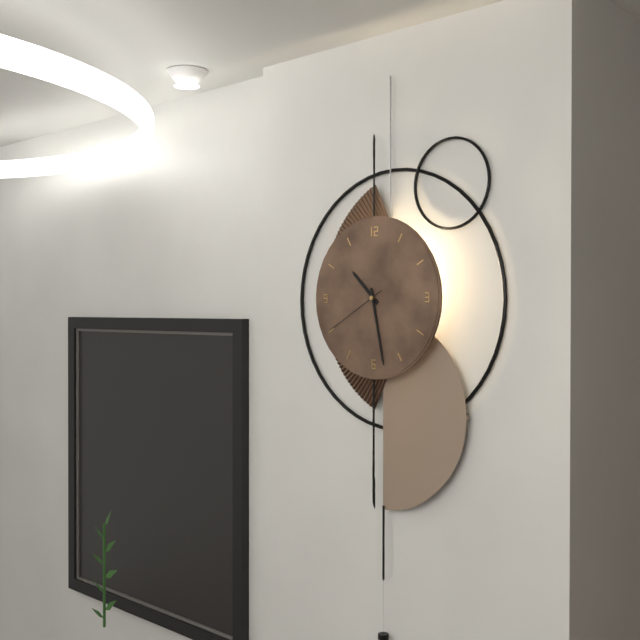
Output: 10h28m40s
